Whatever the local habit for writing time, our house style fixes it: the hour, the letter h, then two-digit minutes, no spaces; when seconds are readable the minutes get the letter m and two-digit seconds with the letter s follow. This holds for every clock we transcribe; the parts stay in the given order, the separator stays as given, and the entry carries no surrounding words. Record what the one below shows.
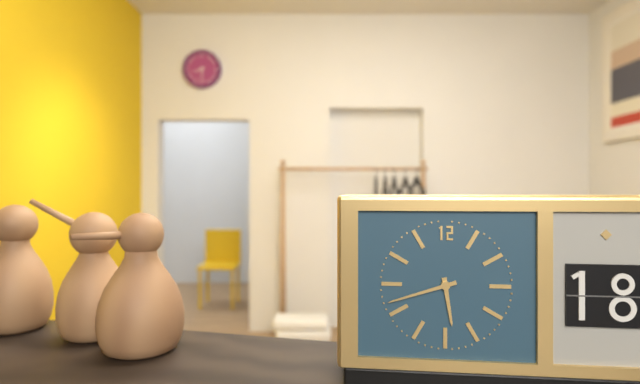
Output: 5h42
